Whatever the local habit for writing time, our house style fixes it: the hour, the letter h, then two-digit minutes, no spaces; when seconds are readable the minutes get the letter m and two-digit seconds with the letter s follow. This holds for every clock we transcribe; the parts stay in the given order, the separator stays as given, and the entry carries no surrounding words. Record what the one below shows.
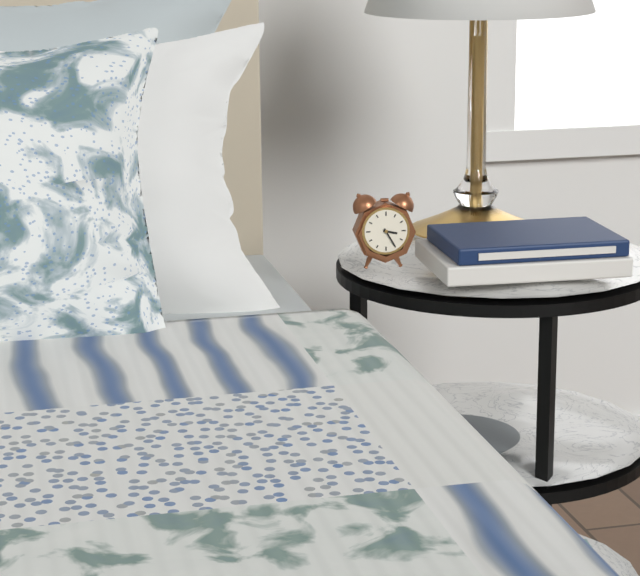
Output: 3h25
